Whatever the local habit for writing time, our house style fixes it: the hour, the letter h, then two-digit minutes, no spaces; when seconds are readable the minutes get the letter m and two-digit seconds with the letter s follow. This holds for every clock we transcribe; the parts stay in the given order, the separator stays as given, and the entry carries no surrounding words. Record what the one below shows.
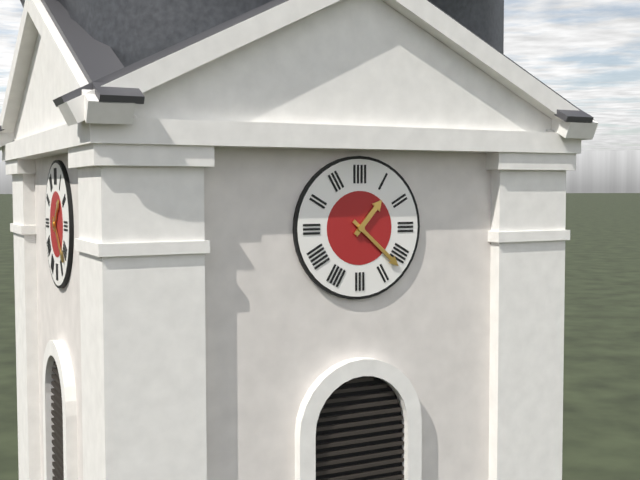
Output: 1h22
